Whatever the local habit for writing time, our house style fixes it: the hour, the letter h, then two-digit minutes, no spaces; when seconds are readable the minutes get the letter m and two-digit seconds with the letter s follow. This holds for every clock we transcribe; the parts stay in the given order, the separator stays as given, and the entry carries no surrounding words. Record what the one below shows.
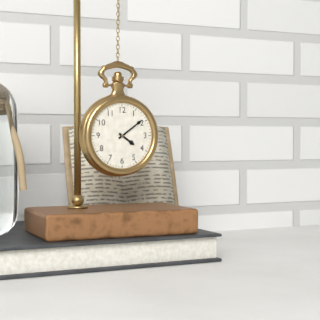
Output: 4h09
